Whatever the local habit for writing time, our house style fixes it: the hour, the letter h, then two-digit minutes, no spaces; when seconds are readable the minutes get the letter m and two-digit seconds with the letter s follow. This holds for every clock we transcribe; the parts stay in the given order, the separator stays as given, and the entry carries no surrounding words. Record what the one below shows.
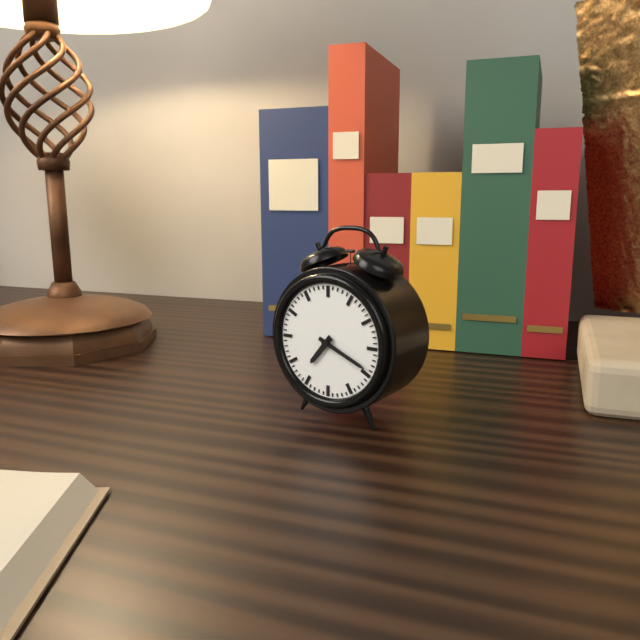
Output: 7h19
